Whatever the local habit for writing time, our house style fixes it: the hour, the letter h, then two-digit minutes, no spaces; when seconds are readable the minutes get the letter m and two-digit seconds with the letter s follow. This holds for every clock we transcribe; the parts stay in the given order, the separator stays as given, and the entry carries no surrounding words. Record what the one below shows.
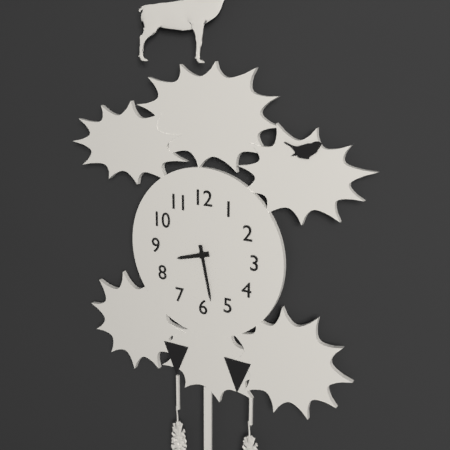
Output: 8h28
